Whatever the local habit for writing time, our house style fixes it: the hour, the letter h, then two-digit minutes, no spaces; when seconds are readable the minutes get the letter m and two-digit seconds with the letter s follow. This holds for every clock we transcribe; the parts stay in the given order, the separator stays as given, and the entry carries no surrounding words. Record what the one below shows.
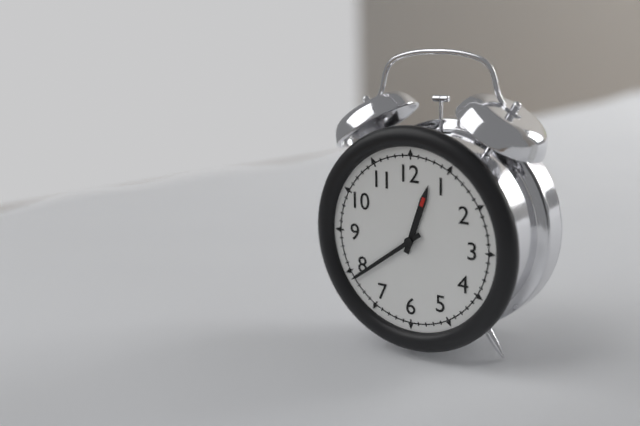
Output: 12h39
